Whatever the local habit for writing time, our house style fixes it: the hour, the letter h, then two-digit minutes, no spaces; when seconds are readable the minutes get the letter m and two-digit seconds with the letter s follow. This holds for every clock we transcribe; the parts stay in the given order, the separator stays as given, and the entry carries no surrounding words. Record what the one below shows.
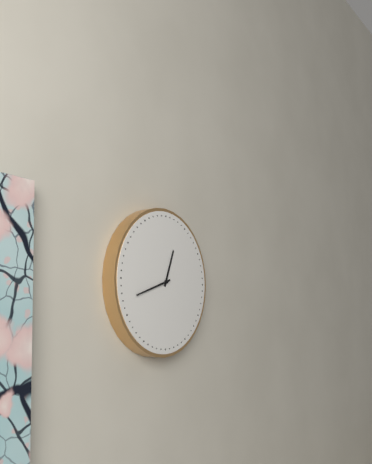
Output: 12h42
